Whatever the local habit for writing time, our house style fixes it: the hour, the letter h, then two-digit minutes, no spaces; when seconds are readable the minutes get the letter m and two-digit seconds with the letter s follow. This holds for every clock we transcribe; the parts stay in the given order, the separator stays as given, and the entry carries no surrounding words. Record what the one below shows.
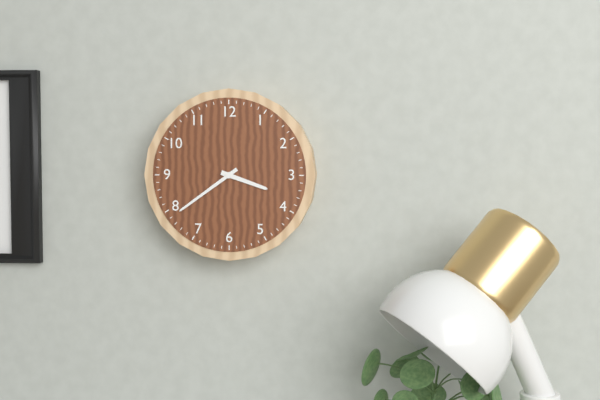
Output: 3h39
